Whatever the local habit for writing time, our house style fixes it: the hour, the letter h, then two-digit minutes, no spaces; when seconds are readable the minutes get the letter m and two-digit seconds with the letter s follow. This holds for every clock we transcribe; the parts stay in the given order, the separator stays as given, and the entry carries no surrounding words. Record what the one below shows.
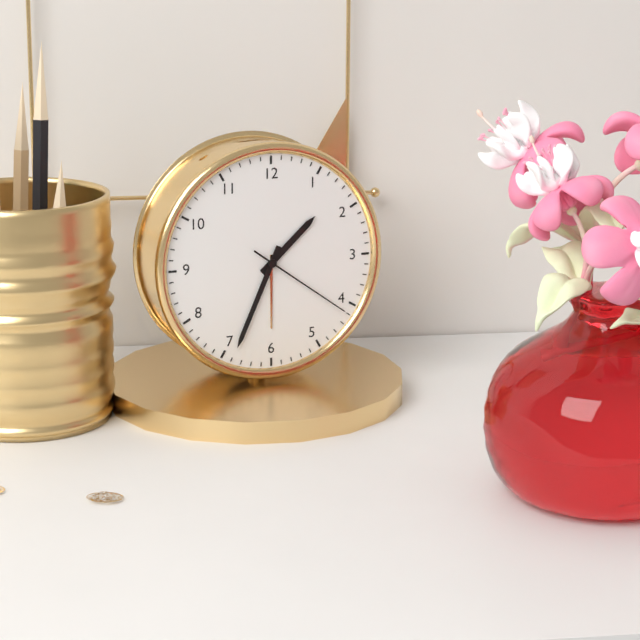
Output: 1h34m21s
